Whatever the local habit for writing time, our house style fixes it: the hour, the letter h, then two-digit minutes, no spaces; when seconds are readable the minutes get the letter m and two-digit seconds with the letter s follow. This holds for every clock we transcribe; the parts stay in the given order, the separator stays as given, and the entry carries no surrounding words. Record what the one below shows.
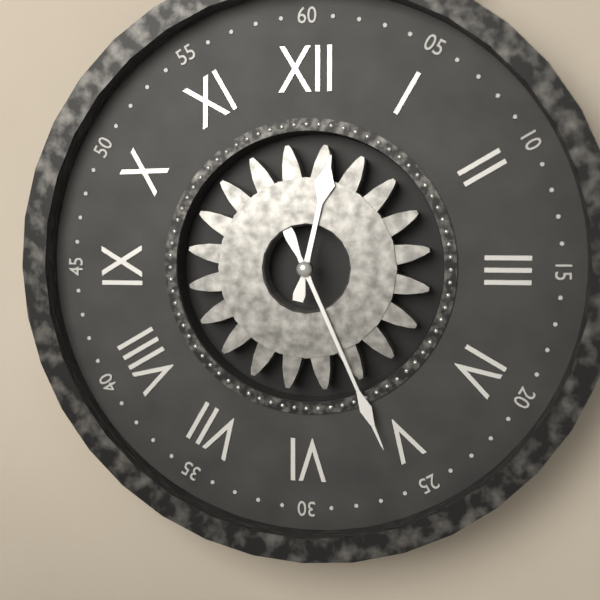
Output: 12h26
